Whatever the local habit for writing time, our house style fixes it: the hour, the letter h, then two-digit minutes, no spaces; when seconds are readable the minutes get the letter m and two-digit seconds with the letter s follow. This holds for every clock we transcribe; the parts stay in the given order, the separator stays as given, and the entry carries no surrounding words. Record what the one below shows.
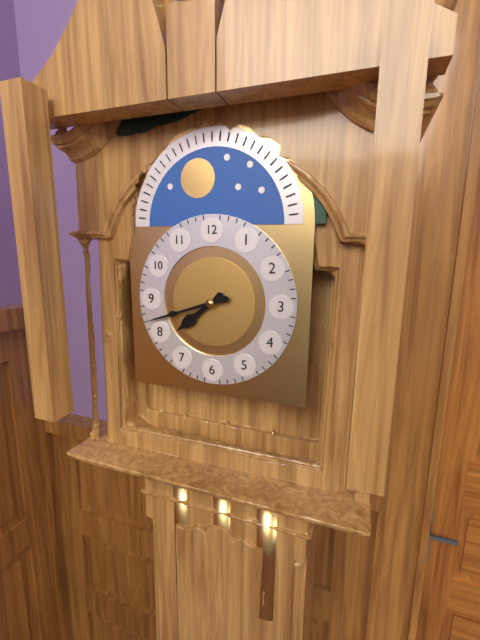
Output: 7h42
